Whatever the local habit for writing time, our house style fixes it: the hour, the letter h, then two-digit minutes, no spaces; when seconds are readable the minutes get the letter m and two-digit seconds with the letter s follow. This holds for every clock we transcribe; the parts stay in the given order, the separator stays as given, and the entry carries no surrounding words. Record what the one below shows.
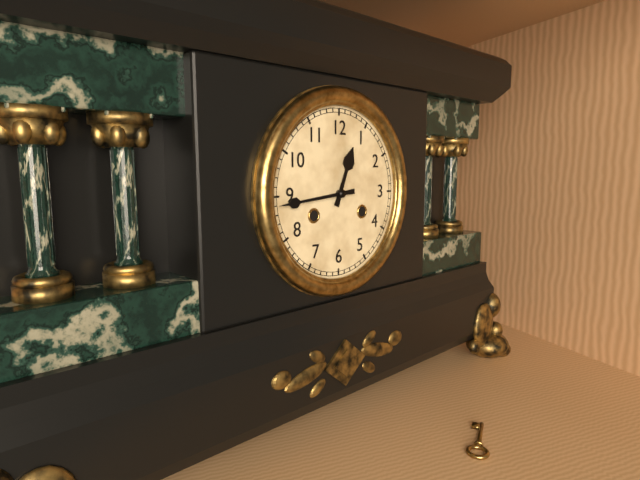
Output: 12h44
